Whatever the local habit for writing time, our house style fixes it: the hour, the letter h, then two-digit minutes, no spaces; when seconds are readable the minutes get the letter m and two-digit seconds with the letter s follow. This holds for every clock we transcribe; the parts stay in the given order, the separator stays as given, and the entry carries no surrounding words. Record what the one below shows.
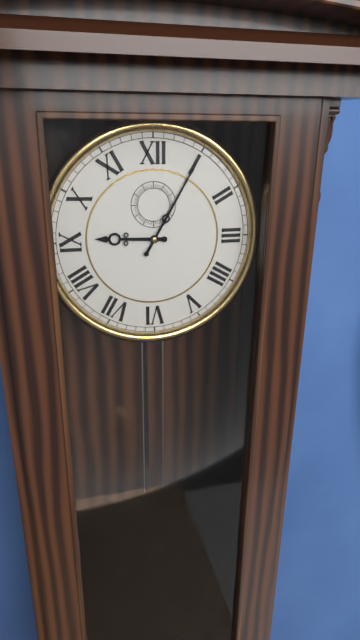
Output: 9h05
